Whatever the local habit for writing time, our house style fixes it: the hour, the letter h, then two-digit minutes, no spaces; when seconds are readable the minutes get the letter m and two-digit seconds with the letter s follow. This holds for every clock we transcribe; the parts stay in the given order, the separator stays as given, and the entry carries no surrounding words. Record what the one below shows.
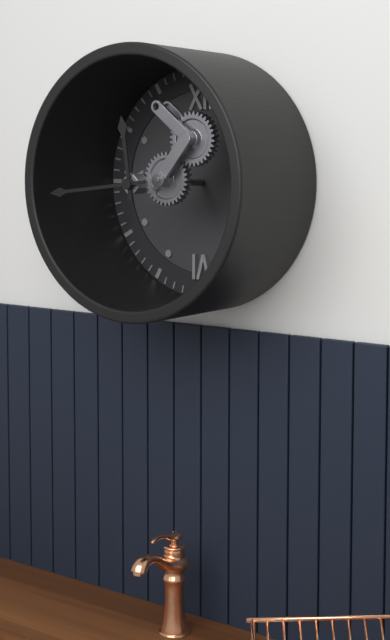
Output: 11h44
